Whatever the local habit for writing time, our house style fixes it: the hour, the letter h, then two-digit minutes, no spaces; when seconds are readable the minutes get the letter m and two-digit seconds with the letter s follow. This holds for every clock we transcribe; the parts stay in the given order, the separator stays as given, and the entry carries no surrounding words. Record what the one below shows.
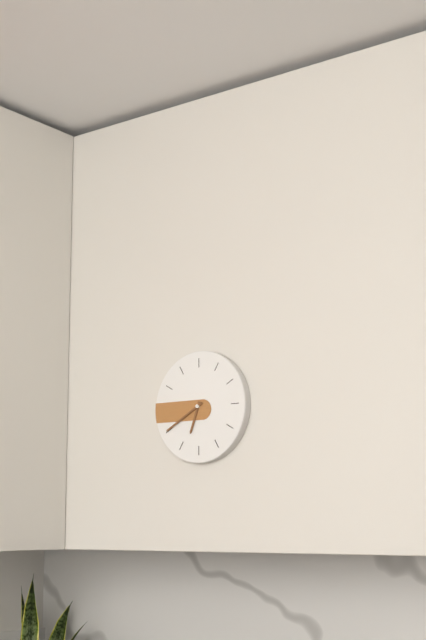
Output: 6h40
